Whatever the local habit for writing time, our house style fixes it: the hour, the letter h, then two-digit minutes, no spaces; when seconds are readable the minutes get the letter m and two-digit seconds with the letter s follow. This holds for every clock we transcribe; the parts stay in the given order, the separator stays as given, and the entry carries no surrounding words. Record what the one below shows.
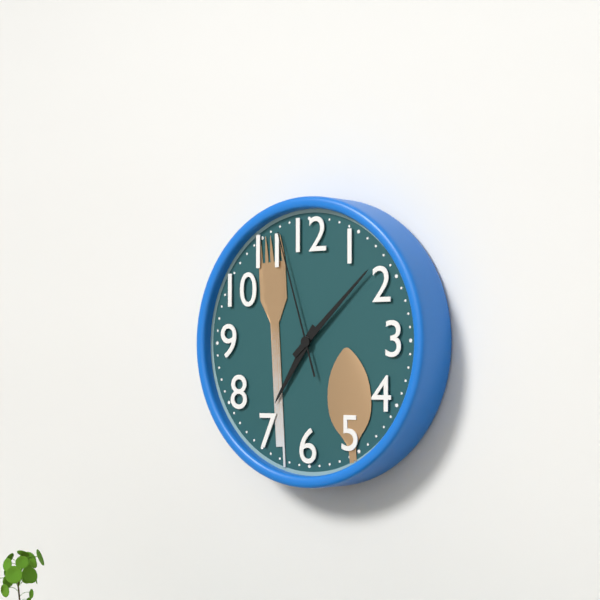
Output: 7h08m57s
